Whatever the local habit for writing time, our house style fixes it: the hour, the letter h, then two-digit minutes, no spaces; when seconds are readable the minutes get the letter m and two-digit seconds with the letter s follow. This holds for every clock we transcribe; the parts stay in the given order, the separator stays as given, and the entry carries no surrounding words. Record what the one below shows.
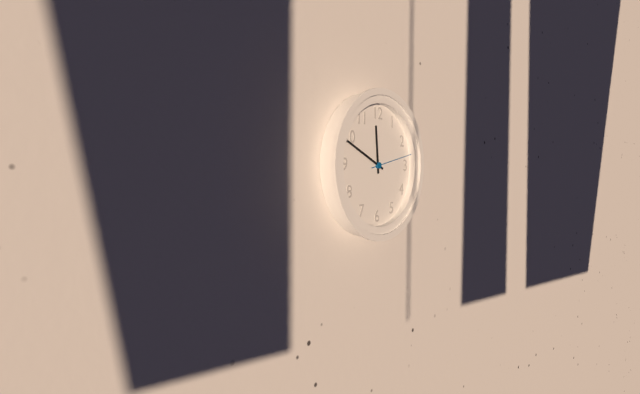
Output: 11h49m13s
